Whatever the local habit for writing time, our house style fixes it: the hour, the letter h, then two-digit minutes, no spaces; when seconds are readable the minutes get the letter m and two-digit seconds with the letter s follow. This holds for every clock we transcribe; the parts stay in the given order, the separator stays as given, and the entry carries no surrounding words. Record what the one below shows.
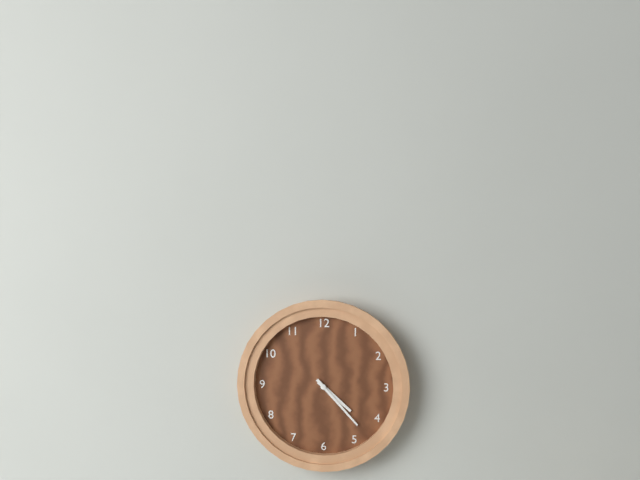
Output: 4h23
